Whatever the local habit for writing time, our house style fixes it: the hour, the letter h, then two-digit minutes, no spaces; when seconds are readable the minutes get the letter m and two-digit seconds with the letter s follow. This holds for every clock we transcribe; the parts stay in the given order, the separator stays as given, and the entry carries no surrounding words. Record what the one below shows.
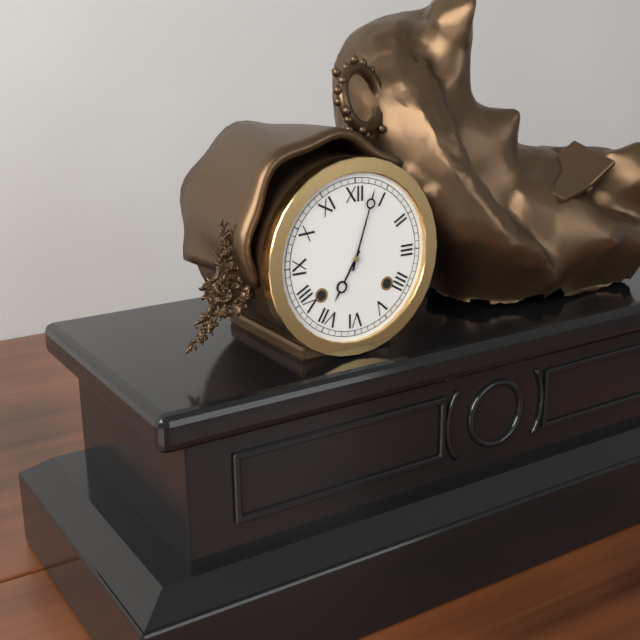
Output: 7h03
